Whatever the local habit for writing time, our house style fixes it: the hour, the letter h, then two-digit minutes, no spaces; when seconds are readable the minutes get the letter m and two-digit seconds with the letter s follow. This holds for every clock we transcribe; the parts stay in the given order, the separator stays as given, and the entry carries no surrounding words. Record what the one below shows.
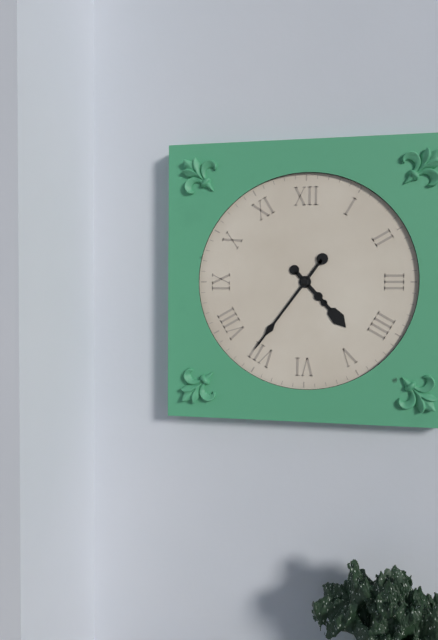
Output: 4h36
